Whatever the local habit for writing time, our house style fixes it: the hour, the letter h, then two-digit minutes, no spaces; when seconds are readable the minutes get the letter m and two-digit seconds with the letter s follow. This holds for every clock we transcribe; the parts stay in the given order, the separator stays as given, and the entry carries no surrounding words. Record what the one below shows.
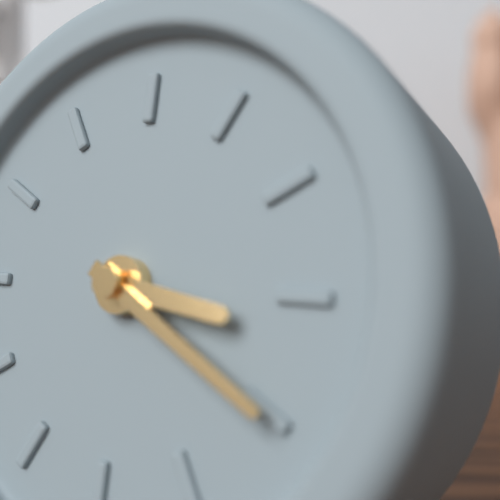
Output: 3h20
